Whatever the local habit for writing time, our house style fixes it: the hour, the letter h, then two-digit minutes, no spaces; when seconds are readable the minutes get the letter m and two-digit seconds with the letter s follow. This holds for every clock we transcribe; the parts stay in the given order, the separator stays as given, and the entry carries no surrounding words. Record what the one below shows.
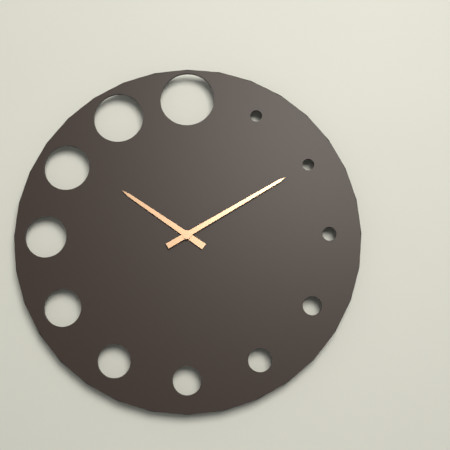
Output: 10h10
